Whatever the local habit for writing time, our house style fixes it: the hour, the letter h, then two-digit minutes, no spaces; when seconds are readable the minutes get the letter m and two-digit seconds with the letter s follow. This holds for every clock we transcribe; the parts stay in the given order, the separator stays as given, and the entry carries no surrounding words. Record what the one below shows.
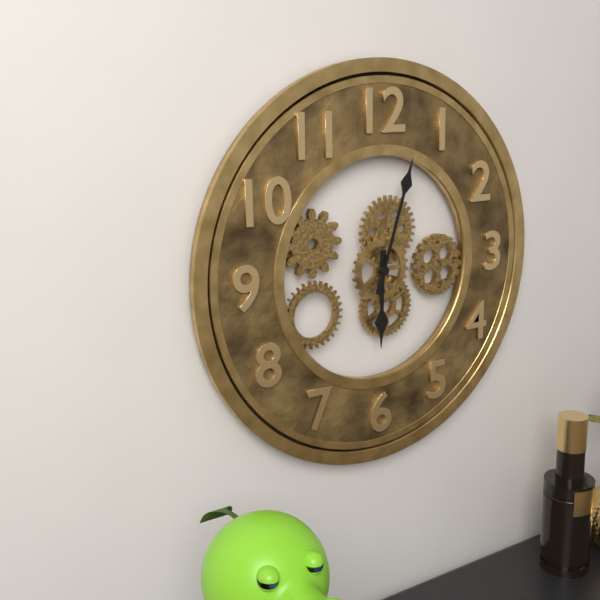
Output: 6h03
